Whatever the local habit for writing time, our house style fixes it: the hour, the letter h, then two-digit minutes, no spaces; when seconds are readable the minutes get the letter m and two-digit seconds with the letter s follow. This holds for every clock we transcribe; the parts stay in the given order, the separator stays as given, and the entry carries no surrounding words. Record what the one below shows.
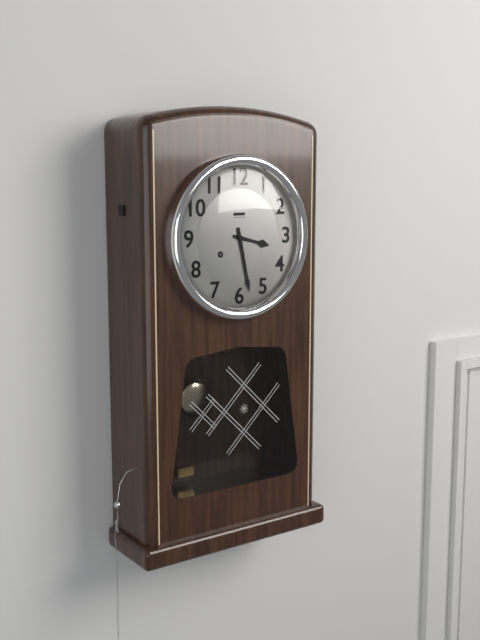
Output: 3h28
